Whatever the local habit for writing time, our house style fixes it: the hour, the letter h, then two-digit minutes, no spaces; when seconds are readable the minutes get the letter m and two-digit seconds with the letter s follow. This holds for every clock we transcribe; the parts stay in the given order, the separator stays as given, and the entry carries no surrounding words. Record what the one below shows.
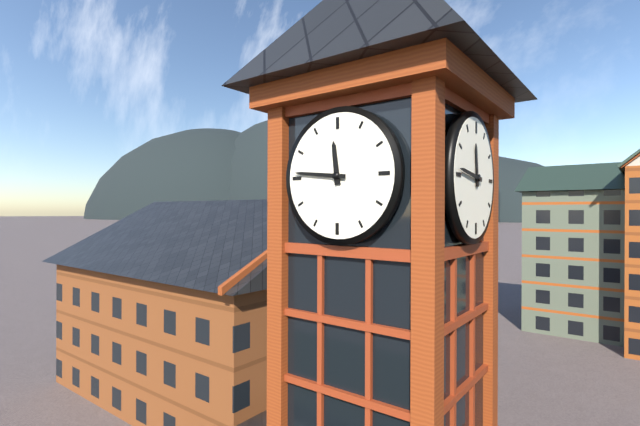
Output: 11h46
